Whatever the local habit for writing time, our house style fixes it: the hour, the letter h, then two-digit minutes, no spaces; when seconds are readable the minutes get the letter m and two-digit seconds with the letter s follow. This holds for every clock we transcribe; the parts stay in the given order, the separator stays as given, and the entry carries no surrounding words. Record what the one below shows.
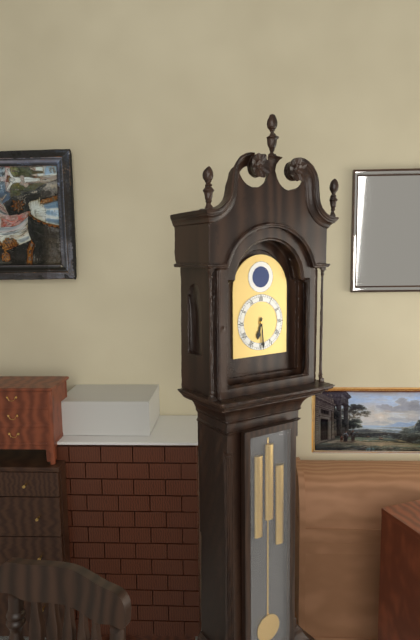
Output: 6h29
